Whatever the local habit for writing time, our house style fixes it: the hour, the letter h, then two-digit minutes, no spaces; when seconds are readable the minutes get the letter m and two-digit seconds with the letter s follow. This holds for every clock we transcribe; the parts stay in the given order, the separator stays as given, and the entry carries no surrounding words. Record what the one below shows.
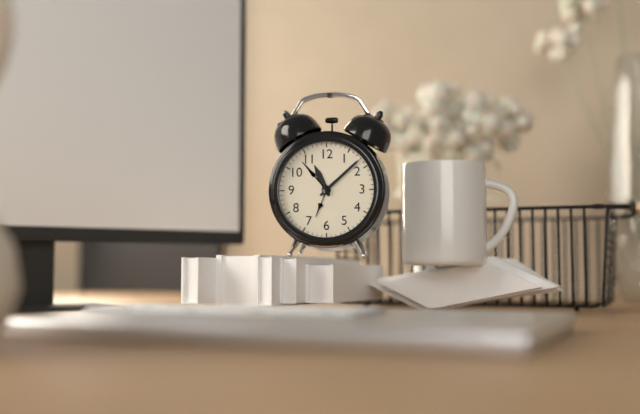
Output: 11h08
